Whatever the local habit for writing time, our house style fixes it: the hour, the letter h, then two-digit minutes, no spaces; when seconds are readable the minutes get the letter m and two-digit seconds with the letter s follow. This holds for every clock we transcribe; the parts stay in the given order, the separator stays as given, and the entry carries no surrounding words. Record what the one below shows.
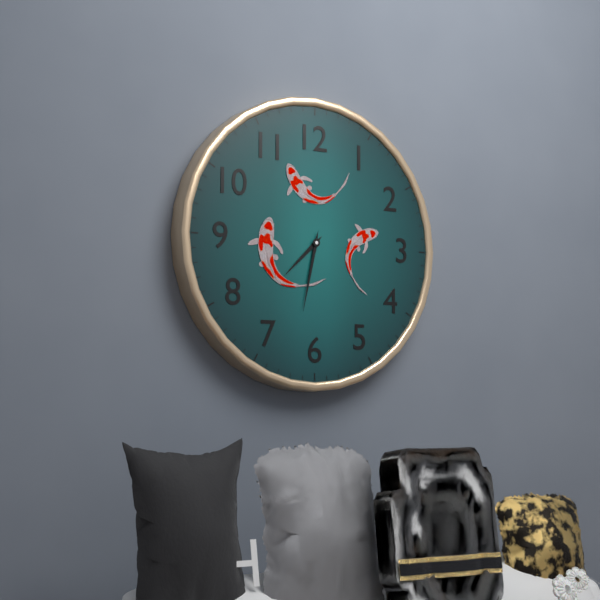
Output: 7h32
